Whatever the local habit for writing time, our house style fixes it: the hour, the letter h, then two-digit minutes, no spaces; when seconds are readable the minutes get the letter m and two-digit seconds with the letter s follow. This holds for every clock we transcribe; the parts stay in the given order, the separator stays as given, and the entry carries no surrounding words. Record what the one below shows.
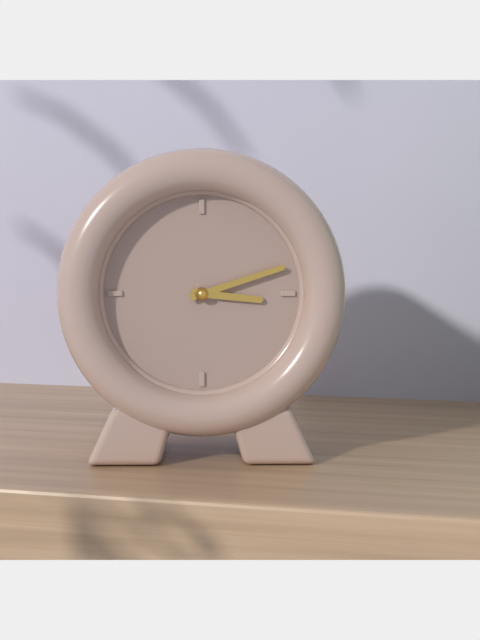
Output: 3h12
